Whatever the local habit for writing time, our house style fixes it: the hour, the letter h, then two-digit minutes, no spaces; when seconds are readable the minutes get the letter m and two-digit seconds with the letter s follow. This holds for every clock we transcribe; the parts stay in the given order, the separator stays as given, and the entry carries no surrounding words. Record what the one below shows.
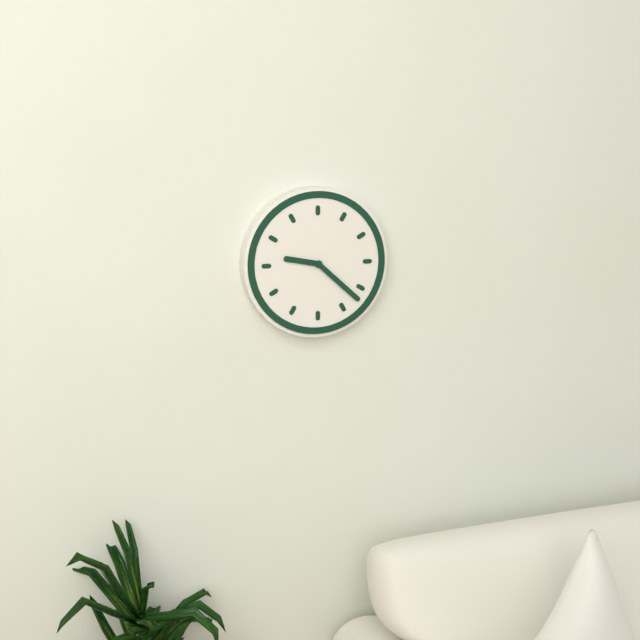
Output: 9h22
